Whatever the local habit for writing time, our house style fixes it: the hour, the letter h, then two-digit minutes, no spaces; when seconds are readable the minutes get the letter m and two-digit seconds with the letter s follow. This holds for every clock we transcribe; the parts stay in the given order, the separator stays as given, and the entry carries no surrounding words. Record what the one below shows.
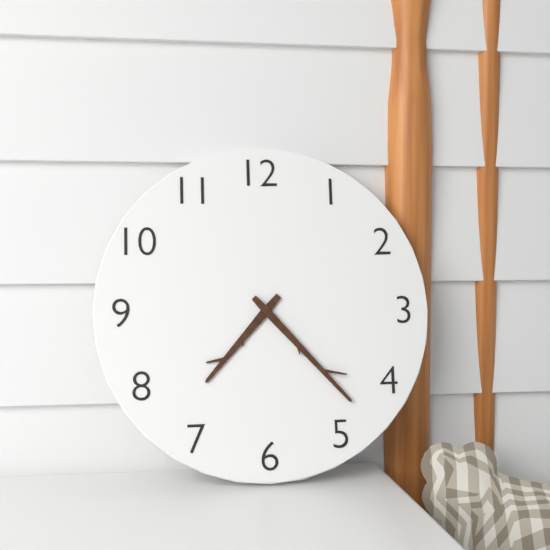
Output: 7h23
